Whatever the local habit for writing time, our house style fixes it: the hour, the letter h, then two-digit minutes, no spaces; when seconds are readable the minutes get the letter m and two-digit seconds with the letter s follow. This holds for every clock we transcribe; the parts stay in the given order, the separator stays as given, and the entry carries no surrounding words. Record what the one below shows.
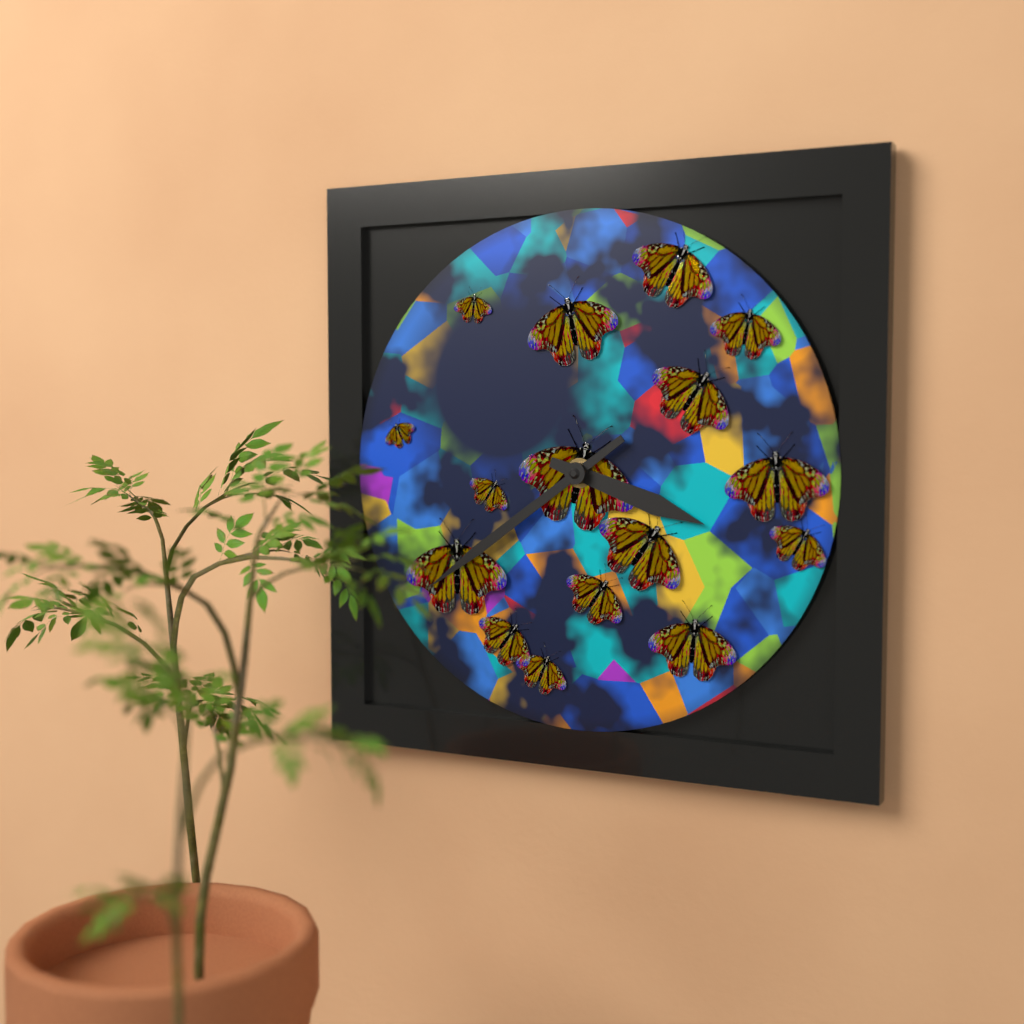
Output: 3h39
